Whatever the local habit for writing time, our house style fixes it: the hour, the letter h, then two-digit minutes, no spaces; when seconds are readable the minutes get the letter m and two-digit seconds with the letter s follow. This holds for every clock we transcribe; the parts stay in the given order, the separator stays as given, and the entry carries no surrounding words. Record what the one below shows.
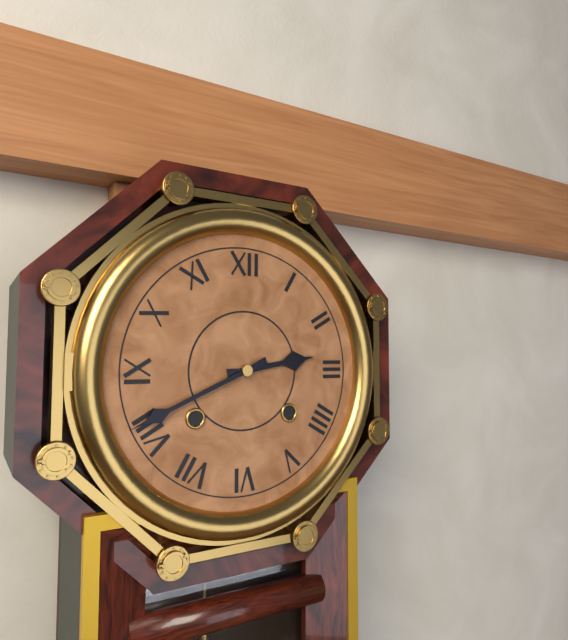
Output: 2h41
